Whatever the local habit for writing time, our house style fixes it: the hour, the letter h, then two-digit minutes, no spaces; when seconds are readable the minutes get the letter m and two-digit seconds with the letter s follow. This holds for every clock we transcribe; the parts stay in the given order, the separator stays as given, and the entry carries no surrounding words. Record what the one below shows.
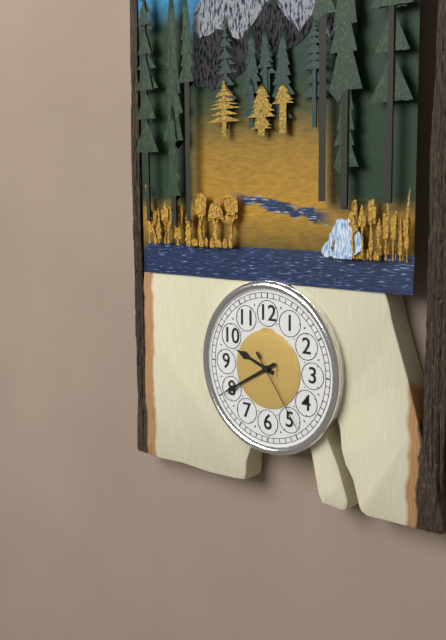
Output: 9h40m24s
